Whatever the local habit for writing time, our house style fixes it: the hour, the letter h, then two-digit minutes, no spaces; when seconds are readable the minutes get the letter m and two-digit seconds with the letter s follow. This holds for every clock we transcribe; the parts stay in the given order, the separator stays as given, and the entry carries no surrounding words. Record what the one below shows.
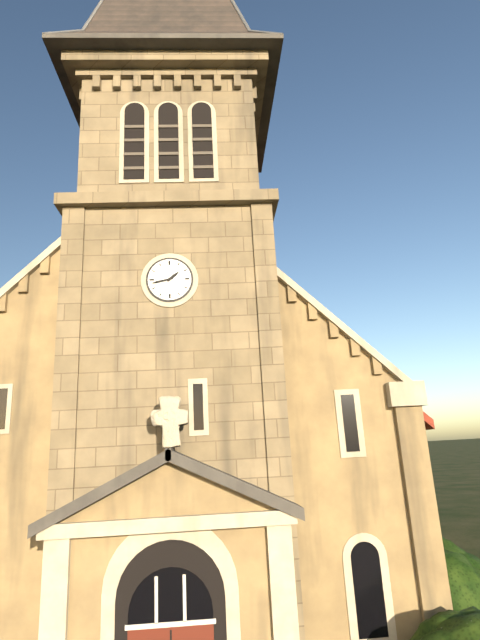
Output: 1h43
